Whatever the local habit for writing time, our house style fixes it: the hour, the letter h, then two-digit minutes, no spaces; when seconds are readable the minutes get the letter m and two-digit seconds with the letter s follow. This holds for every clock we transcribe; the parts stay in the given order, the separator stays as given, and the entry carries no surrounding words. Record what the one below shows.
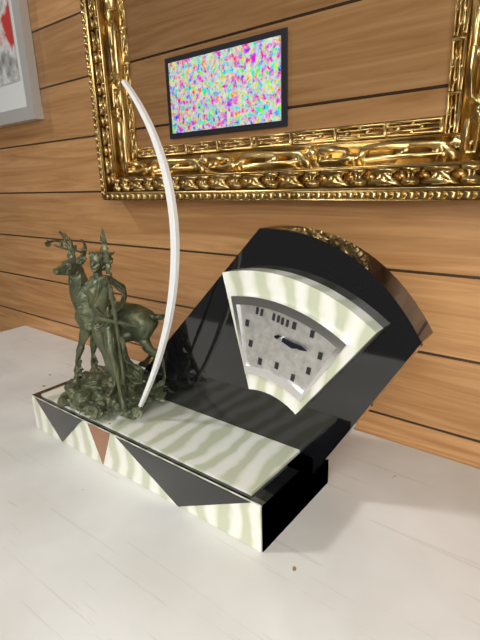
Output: 3h15
